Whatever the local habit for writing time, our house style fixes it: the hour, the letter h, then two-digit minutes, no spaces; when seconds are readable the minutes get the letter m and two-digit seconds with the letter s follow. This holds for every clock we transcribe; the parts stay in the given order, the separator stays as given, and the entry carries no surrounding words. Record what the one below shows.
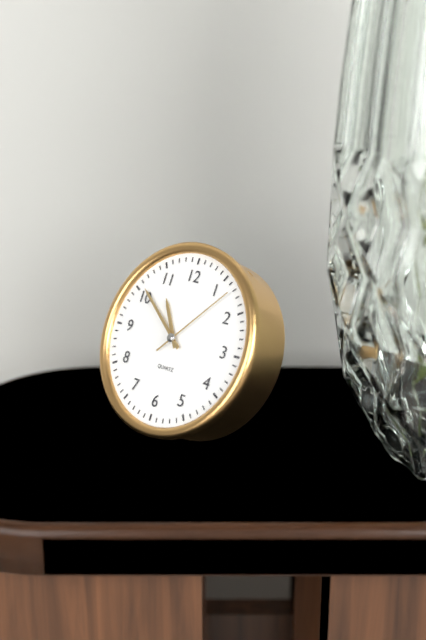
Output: 10h51m07s
